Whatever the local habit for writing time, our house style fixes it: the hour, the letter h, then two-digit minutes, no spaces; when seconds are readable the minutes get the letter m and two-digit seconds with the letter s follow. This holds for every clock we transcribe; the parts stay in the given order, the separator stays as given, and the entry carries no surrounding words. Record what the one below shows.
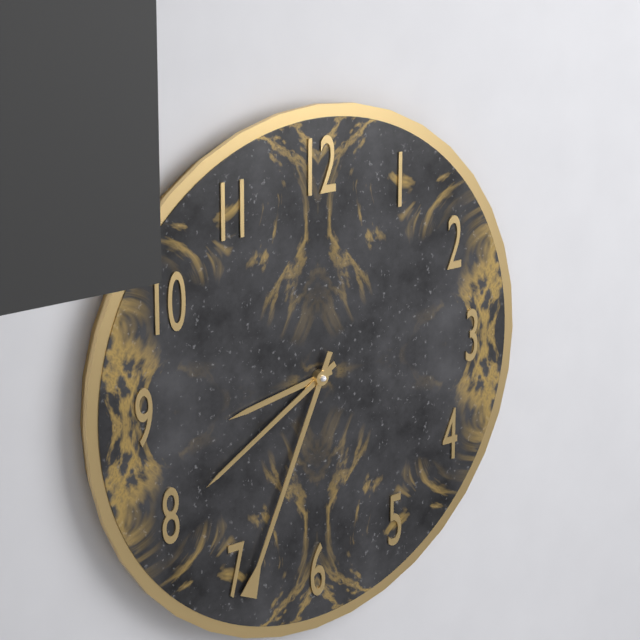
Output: 8h40m34s
